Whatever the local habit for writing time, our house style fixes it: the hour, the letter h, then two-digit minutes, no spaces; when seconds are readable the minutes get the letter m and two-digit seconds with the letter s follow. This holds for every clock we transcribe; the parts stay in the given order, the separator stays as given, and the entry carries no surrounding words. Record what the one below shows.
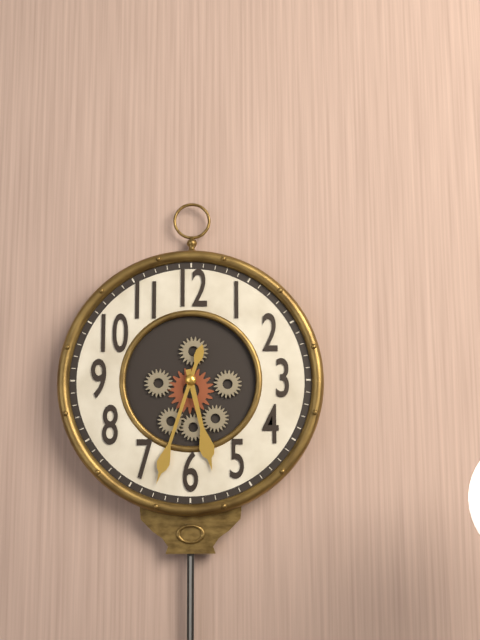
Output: 5h33
